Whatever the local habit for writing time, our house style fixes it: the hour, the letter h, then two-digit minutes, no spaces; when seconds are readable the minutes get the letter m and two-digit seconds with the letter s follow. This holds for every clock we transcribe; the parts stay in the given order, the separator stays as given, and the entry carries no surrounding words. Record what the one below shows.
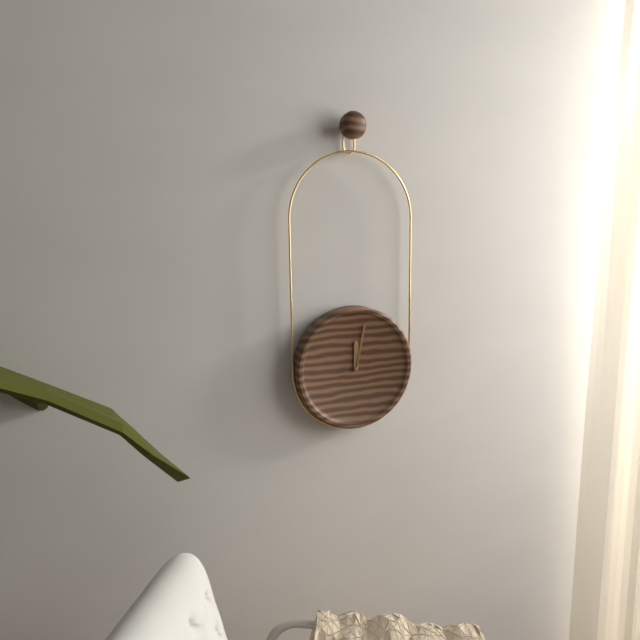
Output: 12h02
